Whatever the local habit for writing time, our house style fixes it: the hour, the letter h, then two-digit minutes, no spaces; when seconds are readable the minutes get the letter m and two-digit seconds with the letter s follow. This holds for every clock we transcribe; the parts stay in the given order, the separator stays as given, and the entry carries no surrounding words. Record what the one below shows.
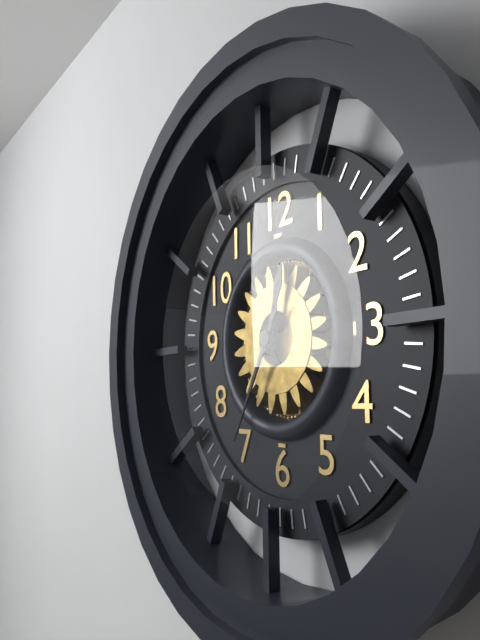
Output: 12h35
